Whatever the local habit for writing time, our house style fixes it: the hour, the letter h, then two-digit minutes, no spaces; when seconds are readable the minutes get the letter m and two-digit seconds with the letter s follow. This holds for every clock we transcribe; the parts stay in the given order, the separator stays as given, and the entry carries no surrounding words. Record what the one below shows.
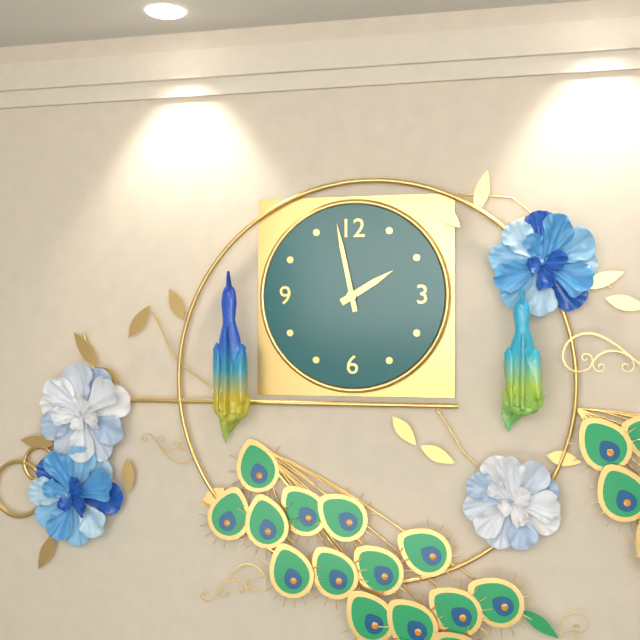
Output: 1h58
